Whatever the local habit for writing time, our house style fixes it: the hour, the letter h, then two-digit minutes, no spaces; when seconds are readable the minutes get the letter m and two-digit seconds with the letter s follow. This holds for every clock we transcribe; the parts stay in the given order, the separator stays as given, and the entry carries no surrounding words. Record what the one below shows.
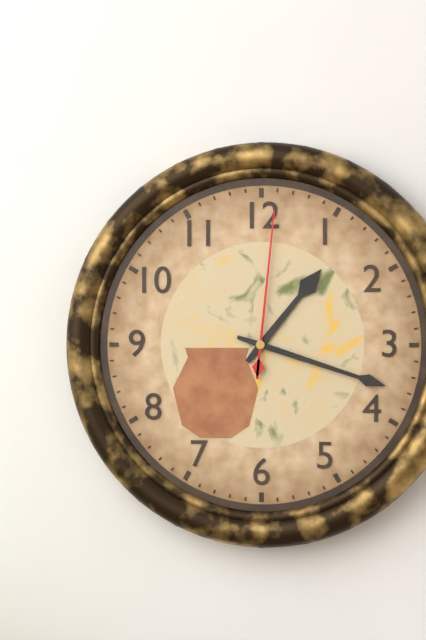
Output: 1h18m01s
